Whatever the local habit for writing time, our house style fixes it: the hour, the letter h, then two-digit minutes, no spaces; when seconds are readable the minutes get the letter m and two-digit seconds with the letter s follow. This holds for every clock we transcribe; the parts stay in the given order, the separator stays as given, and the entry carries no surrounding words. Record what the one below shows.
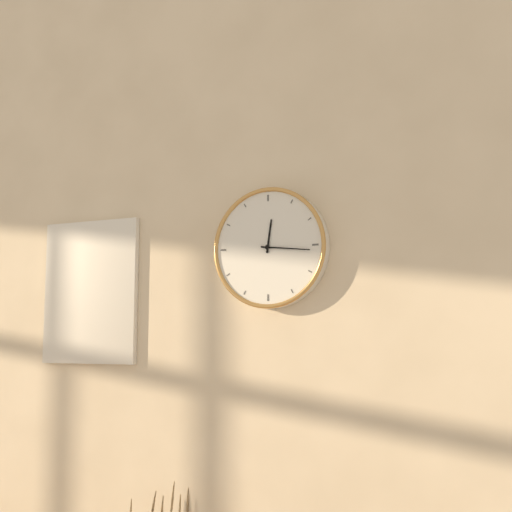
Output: 12h16
